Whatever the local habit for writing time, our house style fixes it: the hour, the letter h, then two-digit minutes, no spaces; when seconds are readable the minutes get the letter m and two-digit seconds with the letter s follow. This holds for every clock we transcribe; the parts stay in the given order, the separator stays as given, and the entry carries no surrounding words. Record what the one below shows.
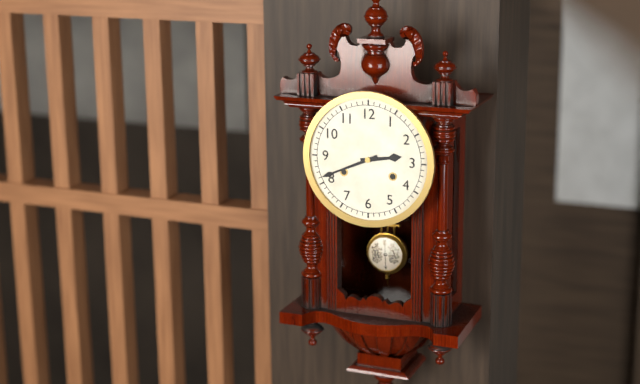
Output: 2h41
